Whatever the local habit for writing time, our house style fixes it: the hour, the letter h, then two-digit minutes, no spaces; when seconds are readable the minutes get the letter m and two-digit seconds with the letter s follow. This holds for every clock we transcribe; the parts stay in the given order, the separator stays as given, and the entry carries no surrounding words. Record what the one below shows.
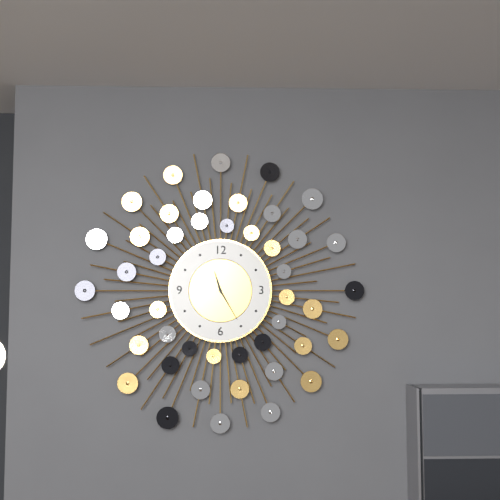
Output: 11h25
